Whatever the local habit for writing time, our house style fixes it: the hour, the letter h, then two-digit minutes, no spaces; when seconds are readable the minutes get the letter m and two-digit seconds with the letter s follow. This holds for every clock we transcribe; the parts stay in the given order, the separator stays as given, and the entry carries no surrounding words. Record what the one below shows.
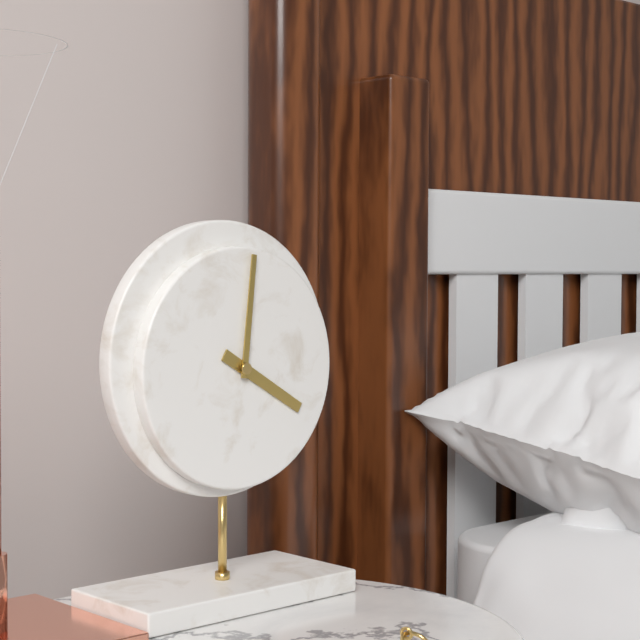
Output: 4h01
